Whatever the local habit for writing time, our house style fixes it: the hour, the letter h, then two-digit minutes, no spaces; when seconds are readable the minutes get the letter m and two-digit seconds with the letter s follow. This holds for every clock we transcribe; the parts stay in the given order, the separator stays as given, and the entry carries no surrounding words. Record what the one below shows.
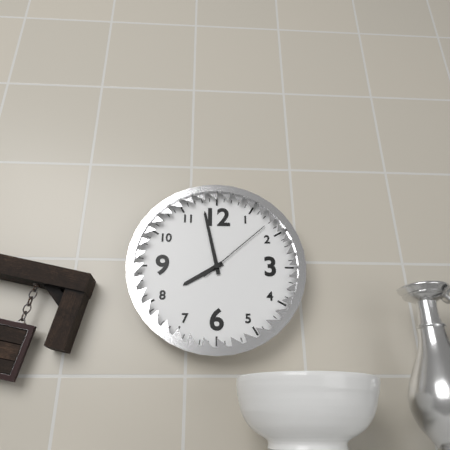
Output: 7h58m08s
